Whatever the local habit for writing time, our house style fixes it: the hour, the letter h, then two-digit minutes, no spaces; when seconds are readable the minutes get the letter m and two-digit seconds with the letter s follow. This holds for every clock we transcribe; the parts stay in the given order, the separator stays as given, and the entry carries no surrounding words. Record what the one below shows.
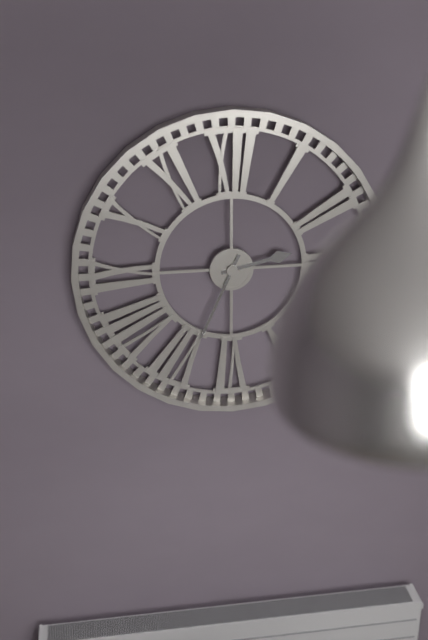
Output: 2h34
